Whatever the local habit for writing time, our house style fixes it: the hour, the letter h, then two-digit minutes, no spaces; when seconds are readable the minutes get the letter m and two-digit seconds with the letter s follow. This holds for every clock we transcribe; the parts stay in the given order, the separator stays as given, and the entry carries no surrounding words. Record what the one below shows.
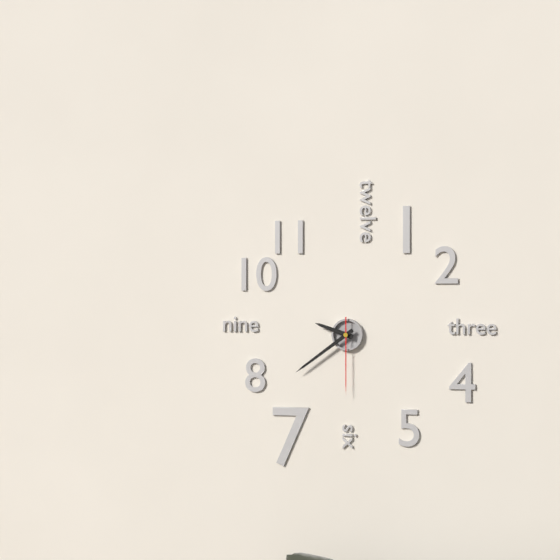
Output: 9h39m30s
